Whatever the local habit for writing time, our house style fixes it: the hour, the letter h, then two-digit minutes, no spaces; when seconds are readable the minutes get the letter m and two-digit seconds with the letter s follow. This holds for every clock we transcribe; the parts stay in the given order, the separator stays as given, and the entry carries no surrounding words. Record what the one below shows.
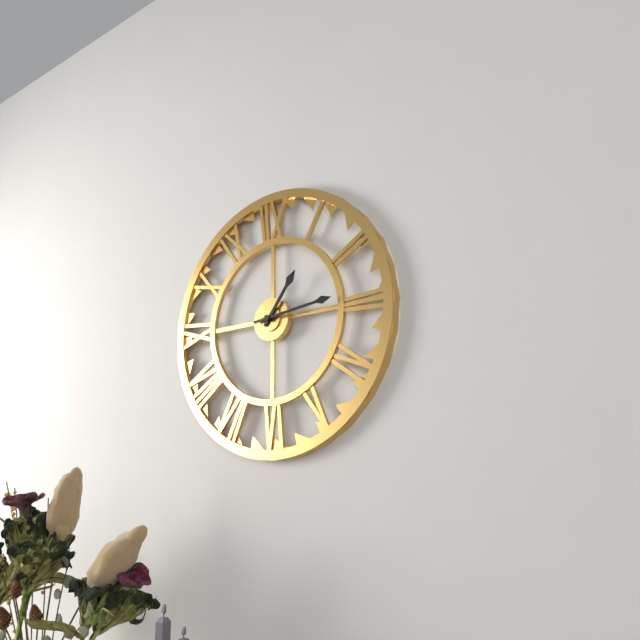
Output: 1h14
